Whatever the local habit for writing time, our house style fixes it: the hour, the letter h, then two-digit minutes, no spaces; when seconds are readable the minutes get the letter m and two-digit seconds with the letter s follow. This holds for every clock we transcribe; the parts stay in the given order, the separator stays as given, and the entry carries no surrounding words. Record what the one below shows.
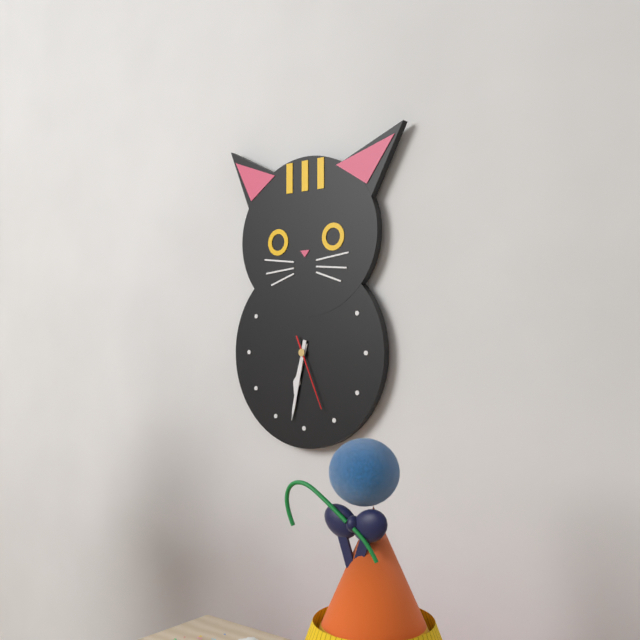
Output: 6h32m26s
